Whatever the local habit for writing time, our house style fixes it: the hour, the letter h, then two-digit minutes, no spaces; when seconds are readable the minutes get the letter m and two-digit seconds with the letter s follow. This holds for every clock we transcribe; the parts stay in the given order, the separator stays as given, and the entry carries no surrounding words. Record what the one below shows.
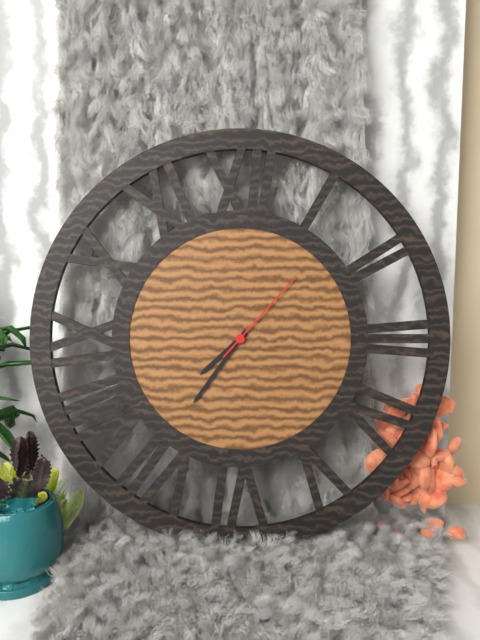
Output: 7h36m07s
